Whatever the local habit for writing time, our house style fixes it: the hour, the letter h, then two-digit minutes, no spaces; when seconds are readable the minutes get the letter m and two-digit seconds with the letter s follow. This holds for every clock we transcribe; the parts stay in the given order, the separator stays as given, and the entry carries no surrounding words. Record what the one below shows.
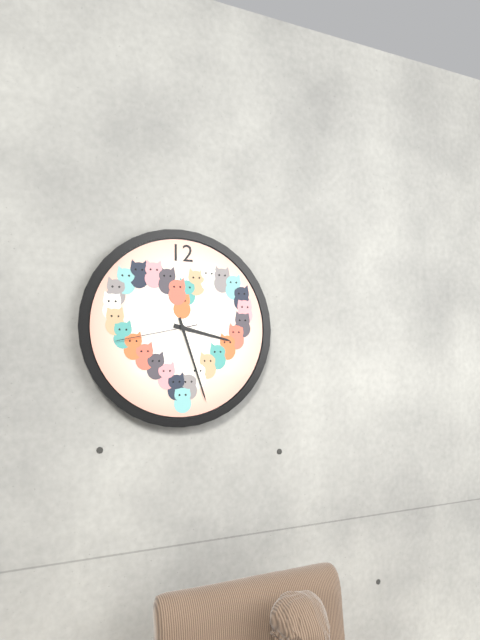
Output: 3h27m43s
